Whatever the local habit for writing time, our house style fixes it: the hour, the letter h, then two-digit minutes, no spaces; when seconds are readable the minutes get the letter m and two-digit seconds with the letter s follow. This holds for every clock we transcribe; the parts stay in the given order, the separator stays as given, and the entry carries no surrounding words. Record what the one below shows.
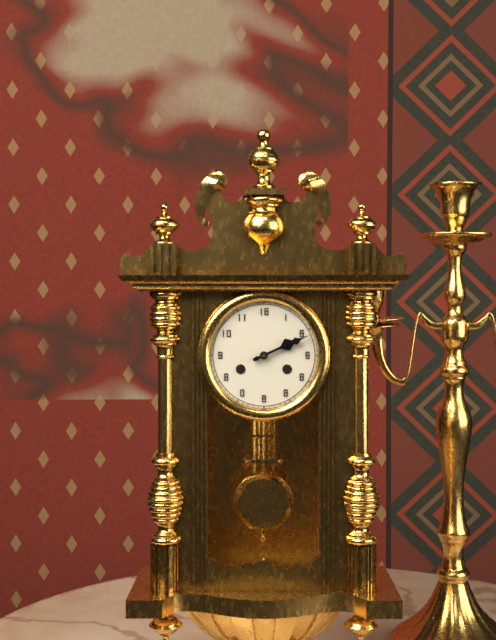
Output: 2h11
